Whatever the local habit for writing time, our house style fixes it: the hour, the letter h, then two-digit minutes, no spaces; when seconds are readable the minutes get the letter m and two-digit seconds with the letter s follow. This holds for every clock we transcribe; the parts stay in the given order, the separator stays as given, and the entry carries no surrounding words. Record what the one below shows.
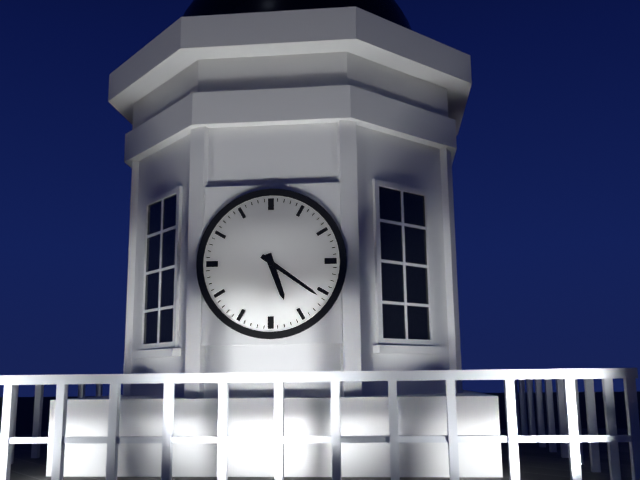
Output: 5h21
